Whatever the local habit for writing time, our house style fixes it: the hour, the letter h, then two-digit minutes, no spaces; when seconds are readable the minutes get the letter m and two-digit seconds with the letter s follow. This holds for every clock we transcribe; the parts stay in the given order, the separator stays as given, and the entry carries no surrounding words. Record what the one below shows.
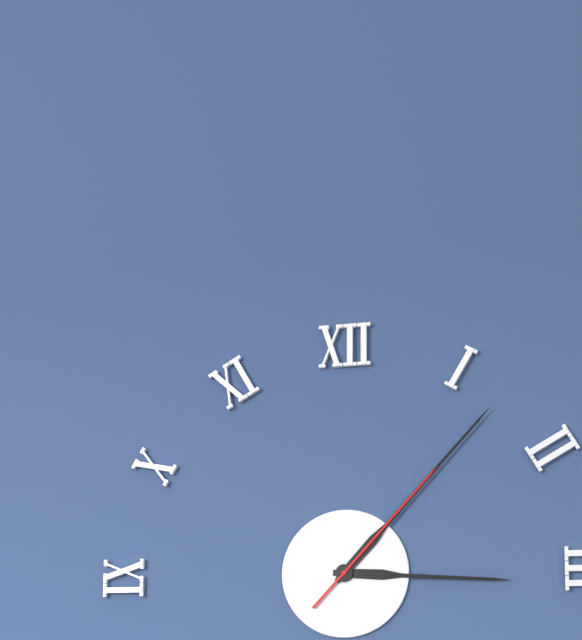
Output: 3h07m07s
